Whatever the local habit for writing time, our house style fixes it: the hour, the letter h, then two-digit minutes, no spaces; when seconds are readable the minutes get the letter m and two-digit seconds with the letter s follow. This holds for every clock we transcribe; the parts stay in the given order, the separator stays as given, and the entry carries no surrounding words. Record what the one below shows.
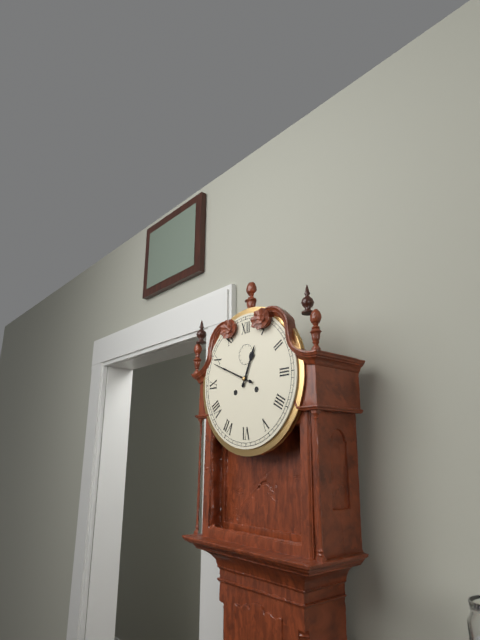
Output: 12h49
